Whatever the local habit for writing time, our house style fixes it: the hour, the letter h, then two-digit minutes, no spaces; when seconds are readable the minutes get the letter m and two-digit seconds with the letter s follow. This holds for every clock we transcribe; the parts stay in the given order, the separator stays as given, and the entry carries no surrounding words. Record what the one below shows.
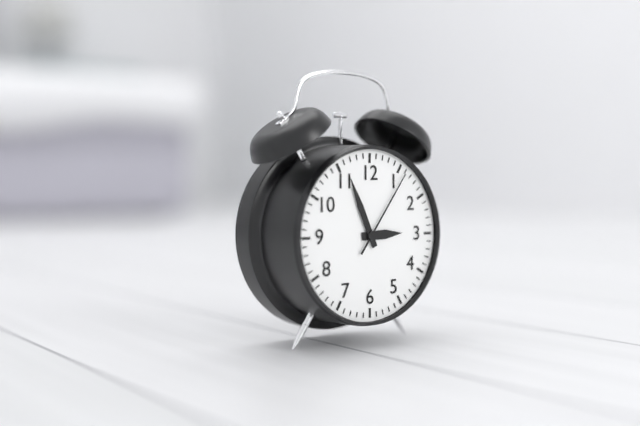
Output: 2h56m06s
